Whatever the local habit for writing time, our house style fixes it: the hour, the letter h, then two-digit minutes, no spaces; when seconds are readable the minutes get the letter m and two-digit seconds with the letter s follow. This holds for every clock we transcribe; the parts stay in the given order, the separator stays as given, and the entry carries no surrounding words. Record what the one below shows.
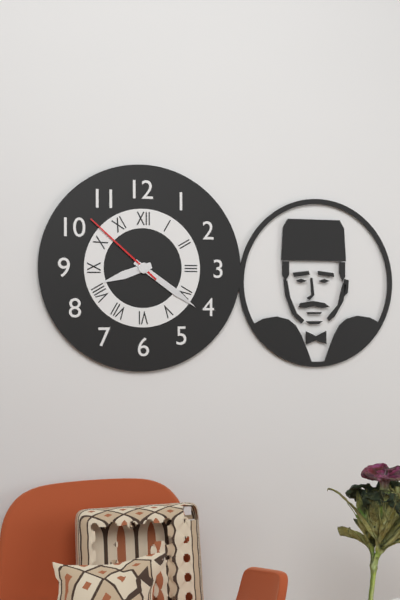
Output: 8h21m52s
